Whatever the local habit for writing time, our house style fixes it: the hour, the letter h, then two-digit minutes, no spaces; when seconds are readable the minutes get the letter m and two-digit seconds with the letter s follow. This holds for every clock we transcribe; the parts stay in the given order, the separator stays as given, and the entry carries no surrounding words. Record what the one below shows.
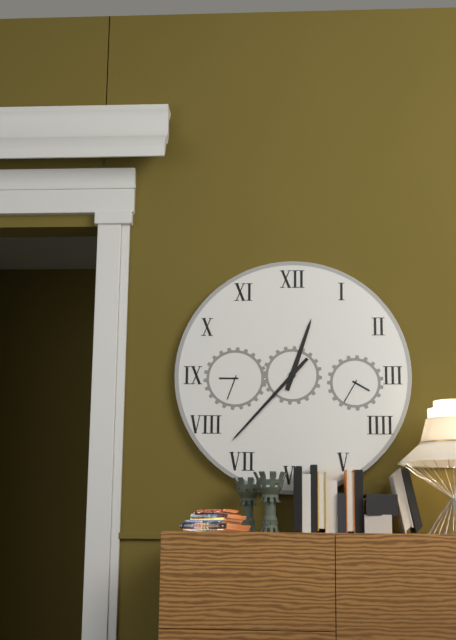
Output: 12h37
